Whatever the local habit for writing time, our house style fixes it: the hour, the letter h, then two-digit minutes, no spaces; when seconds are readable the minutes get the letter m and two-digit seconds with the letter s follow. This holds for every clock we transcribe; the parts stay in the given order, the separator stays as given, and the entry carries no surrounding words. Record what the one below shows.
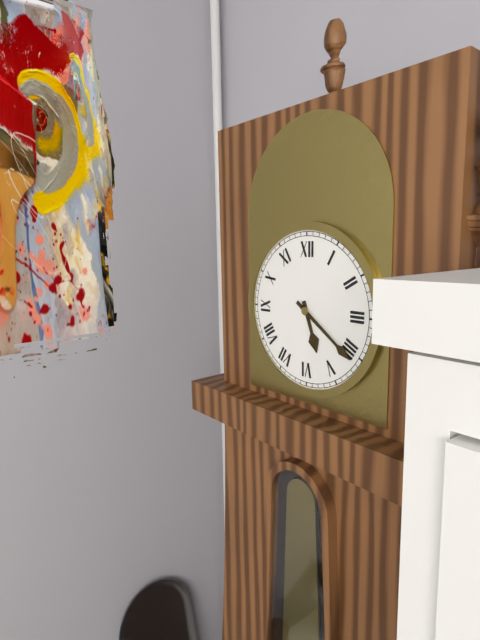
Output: 5h21
